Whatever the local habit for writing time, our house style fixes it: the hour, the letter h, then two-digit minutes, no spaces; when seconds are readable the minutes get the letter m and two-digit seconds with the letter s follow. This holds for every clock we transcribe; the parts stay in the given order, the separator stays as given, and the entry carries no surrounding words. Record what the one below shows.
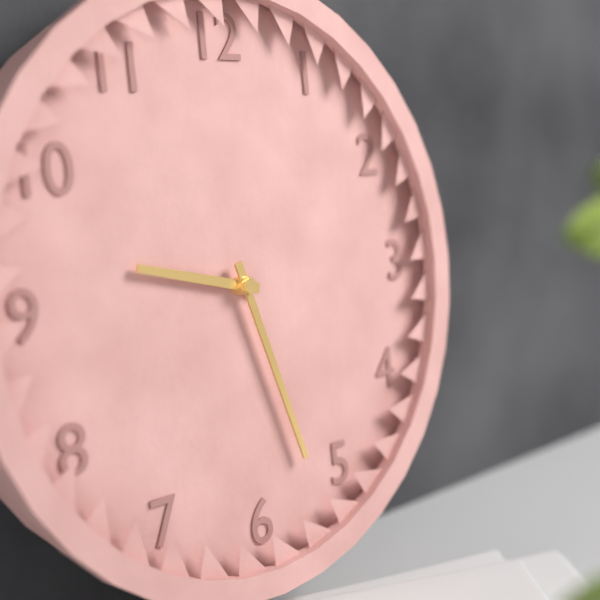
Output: 9h27
